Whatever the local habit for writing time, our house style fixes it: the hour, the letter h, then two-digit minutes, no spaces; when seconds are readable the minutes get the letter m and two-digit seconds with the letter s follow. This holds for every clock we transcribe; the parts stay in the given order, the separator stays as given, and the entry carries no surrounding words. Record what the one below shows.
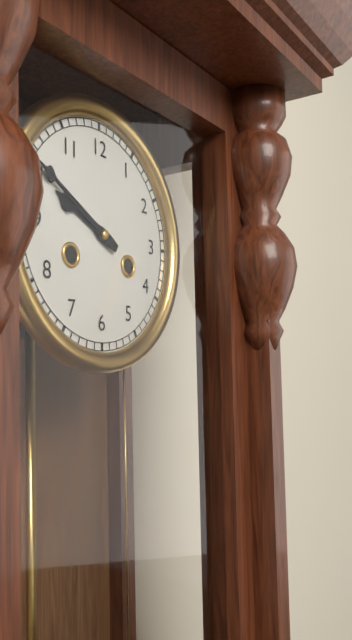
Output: 9h50
